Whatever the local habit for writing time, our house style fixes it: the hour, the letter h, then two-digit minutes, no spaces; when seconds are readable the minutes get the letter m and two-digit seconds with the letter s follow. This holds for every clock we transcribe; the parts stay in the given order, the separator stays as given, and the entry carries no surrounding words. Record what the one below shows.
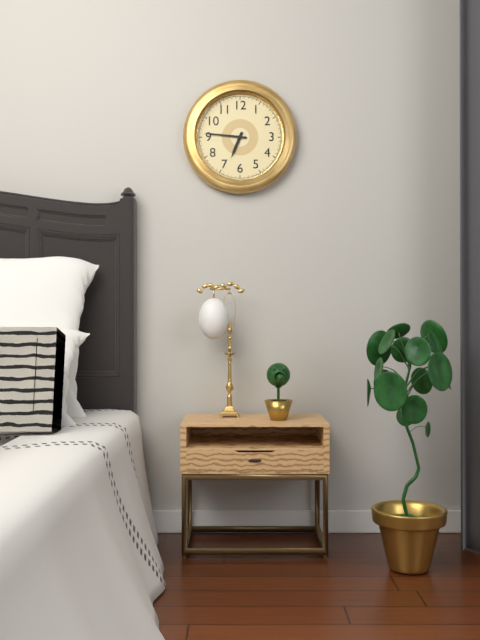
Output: 6h46
